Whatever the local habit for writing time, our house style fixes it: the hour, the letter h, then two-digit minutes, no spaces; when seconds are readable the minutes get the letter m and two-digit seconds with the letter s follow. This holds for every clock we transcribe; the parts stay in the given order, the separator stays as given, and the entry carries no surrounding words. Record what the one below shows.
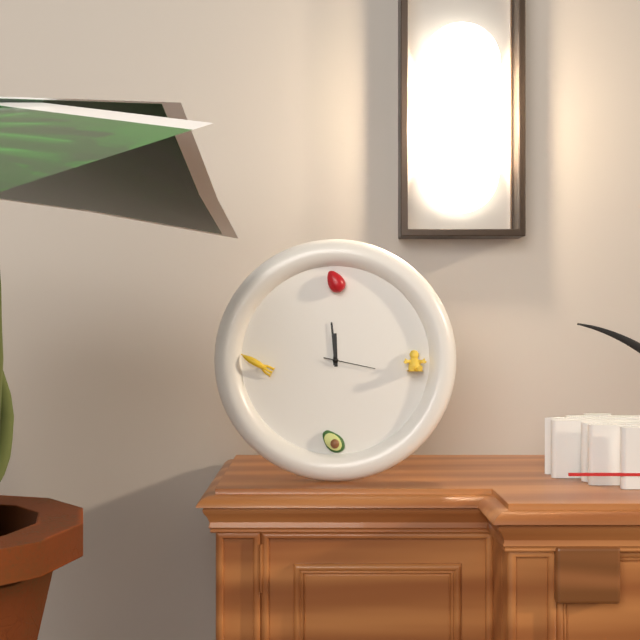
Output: 11h59m17s
